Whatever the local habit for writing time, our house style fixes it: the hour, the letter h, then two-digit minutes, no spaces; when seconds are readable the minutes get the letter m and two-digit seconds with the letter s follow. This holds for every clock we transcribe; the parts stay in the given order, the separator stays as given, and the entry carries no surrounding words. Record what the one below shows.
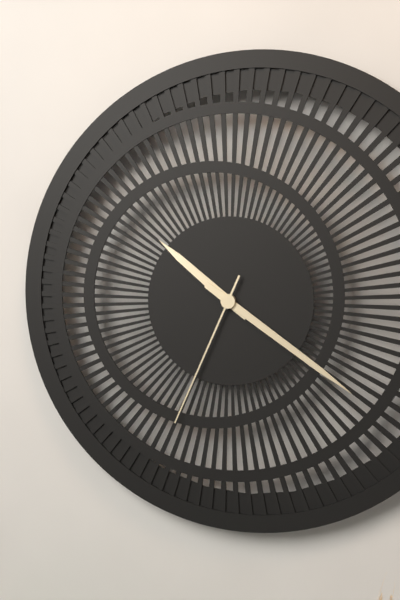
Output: 10h21m34s
